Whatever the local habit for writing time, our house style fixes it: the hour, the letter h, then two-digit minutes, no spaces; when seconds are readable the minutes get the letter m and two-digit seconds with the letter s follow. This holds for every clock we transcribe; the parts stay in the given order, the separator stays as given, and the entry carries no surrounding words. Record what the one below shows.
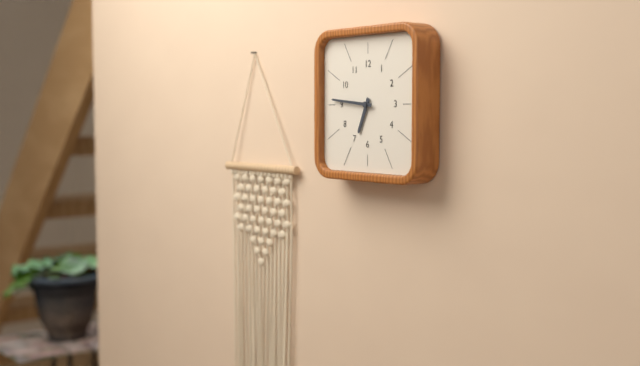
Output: 6h46
